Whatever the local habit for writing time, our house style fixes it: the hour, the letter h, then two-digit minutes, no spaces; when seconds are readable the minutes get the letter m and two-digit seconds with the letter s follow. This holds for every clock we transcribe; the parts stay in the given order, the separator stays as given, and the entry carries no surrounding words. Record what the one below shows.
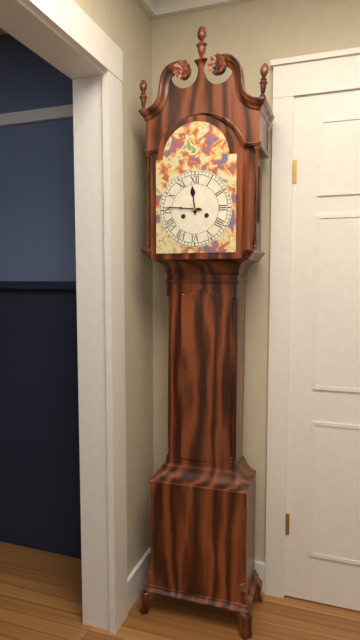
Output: 11h46
